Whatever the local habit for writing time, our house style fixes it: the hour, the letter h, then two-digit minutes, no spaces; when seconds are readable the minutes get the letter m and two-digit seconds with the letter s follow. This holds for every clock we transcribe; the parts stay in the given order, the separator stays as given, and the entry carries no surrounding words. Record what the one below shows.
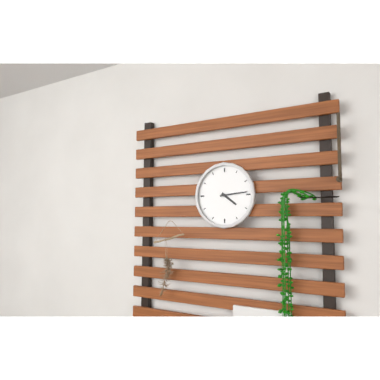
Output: 4h14
